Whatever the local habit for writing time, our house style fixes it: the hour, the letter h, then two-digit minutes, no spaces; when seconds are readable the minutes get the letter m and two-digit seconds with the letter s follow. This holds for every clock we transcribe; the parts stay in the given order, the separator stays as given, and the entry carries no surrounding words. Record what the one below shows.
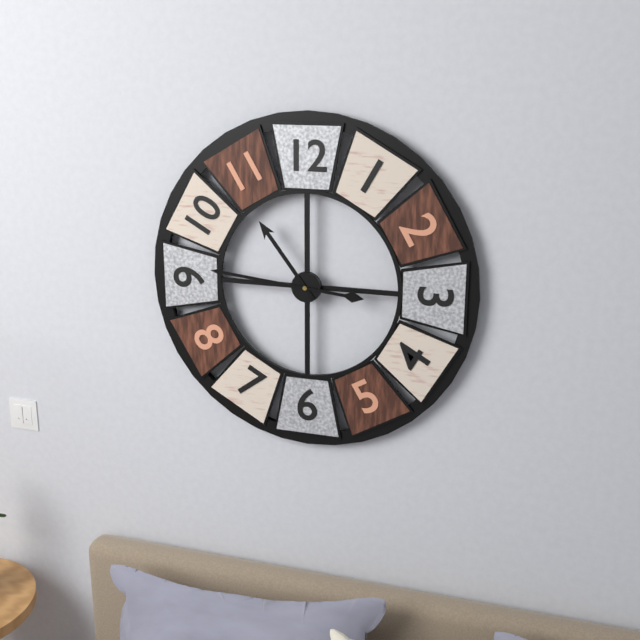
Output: 10h46
